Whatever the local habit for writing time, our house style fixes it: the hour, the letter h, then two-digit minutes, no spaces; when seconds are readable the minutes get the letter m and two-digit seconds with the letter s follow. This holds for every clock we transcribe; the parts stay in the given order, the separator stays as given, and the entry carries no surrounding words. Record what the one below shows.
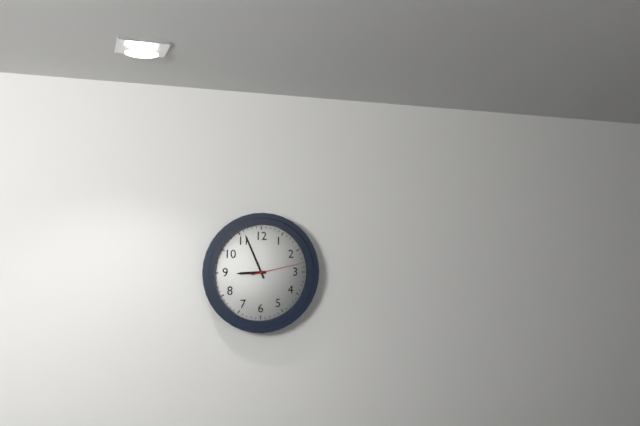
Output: 8h56m13s
